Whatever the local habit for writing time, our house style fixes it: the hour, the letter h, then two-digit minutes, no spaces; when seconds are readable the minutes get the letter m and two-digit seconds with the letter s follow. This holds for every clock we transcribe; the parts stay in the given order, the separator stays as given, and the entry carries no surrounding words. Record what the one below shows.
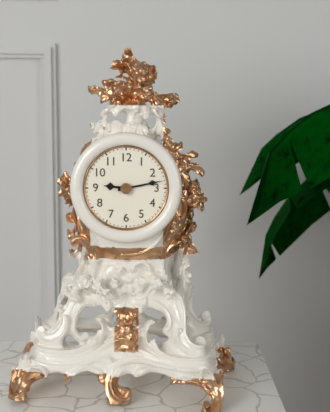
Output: 9h13
